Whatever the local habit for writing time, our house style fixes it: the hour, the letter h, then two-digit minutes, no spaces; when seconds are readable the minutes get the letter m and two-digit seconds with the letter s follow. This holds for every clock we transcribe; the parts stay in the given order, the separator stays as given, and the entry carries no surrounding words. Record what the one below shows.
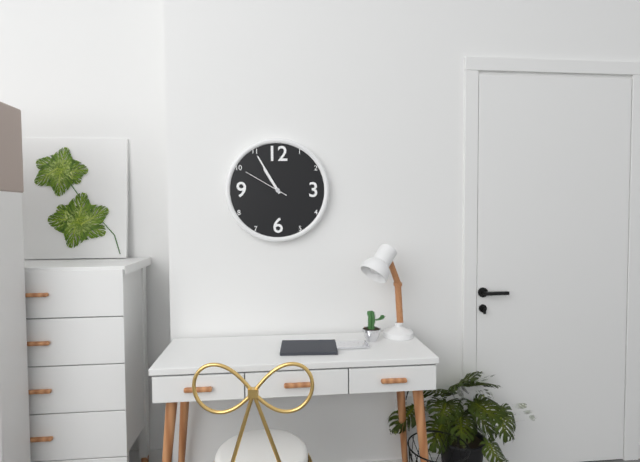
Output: 10h55
